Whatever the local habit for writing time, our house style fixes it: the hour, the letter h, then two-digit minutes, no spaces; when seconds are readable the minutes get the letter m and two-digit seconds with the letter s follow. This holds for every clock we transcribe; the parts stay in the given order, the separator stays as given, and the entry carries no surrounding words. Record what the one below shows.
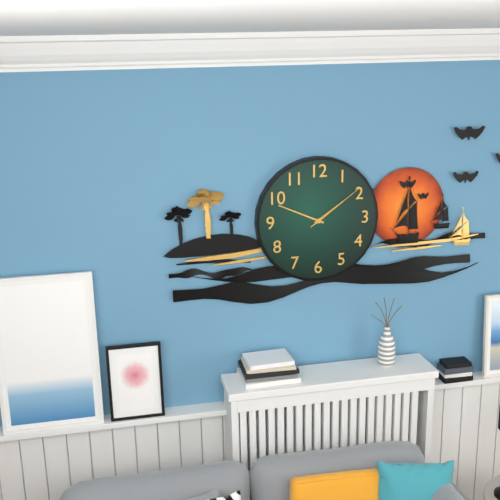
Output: 1h49m09s
